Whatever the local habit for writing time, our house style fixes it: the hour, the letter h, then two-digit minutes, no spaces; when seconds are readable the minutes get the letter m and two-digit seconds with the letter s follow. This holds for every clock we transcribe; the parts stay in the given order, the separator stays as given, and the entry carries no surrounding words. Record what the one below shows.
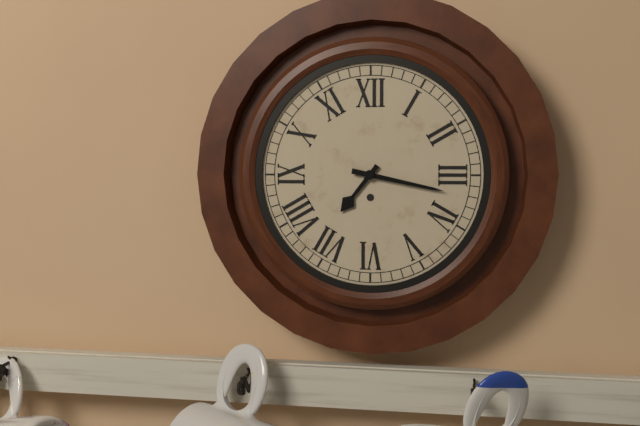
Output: 7h17
